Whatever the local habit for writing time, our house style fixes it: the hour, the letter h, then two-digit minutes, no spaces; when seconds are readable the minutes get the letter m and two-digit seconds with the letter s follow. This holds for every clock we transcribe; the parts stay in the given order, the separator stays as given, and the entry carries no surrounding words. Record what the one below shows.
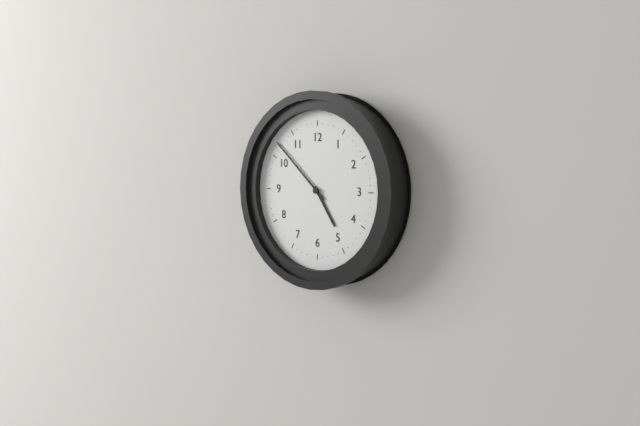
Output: 4h52
